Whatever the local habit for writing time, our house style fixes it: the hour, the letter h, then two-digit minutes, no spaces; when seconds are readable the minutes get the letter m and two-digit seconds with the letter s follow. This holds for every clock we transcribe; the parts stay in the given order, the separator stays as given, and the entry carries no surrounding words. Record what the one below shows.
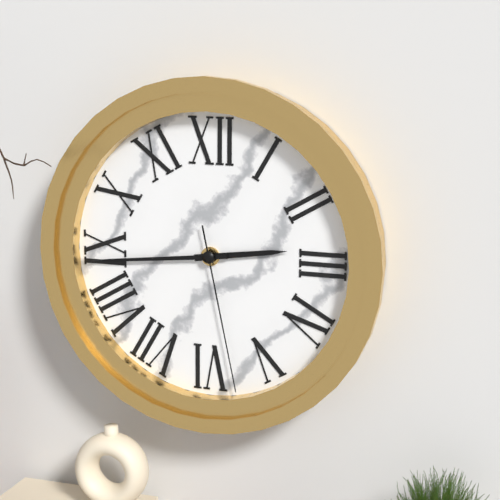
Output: 2h44m28s
